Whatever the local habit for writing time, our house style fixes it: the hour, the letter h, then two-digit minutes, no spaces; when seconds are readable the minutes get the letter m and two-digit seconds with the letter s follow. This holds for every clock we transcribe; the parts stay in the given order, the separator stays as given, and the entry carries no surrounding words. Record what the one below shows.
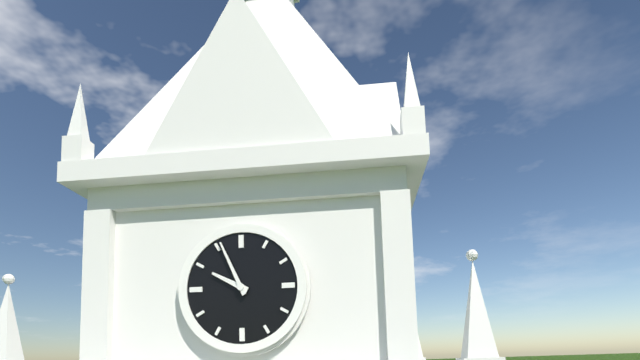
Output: 9h56
